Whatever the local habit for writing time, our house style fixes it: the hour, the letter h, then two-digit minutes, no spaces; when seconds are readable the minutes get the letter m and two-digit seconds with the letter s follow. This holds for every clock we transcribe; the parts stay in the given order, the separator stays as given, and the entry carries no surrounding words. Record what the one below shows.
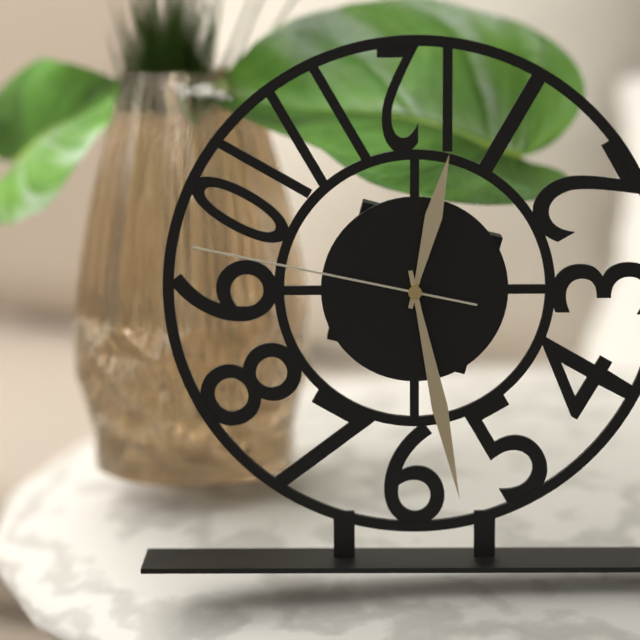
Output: 12h28m47s
